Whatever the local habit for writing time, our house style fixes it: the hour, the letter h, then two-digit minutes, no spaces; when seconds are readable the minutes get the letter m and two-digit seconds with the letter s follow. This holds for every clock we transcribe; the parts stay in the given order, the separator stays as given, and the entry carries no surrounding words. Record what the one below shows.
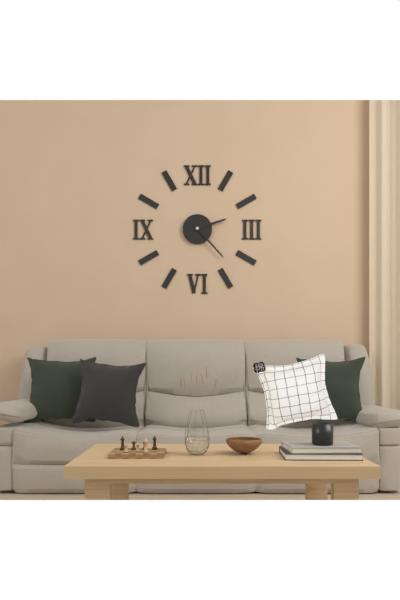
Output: 2h23
